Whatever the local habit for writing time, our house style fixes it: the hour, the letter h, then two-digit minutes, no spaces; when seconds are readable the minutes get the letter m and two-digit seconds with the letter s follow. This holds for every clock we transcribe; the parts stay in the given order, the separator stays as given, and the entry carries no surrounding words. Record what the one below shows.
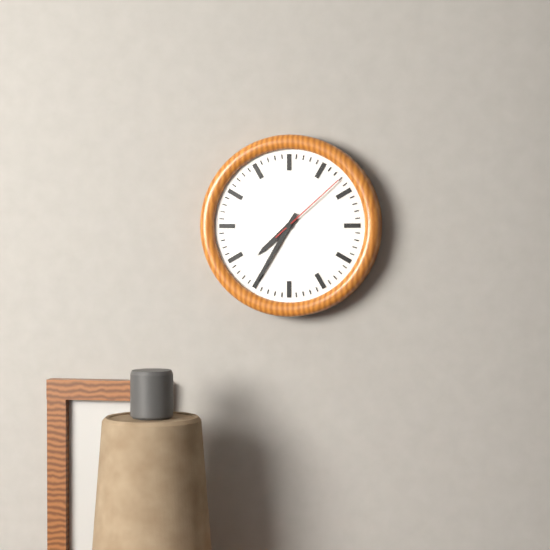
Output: 7h35m08s
